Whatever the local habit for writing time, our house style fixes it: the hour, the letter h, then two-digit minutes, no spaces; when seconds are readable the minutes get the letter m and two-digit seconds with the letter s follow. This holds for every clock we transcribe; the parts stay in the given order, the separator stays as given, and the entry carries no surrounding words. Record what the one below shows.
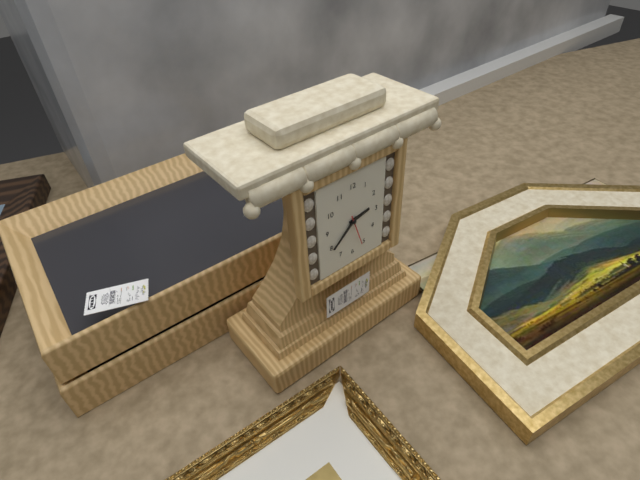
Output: 2h38
